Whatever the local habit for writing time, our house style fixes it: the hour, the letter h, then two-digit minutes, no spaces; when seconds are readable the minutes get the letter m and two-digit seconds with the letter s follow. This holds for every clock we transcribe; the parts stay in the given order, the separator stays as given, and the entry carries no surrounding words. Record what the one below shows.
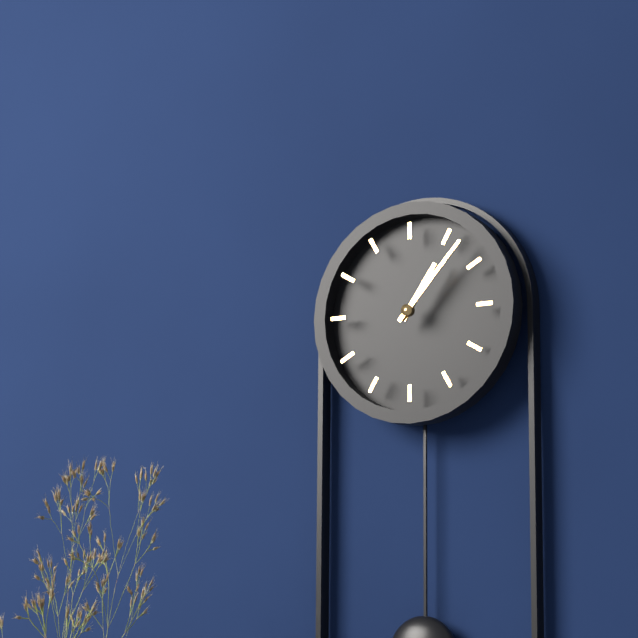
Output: 1h07
